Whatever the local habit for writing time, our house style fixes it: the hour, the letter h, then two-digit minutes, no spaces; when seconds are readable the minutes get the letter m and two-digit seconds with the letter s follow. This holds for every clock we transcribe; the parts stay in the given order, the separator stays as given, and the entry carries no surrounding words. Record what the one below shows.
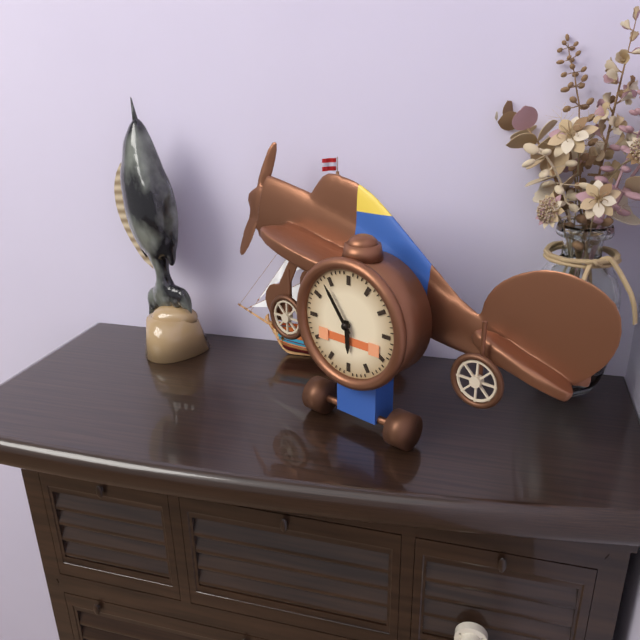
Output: 5h54
